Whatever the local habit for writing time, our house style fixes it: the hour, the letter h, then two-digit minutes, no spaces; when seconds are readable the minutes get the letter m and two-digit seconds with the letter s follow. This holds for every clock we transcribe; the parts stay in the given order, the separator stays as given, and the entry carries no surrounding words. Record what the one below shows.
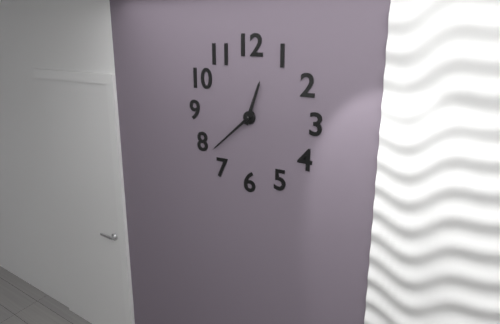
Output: 12h38
